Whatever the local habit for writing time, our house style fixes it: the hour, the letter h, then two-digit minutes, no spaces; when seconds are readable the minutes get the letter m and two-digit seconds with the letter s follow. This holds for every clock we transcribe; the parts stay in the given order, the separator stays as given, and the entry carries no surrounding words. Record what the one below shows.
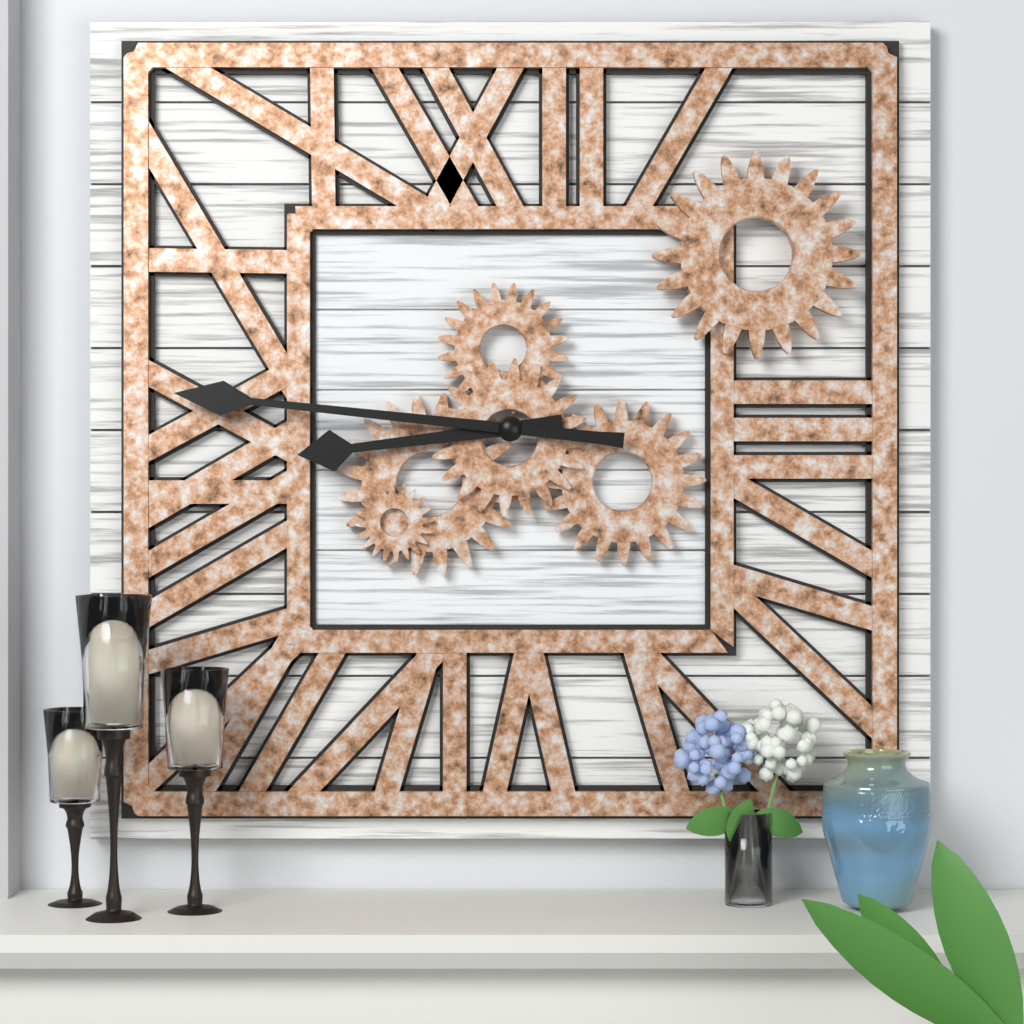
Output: 8h46
